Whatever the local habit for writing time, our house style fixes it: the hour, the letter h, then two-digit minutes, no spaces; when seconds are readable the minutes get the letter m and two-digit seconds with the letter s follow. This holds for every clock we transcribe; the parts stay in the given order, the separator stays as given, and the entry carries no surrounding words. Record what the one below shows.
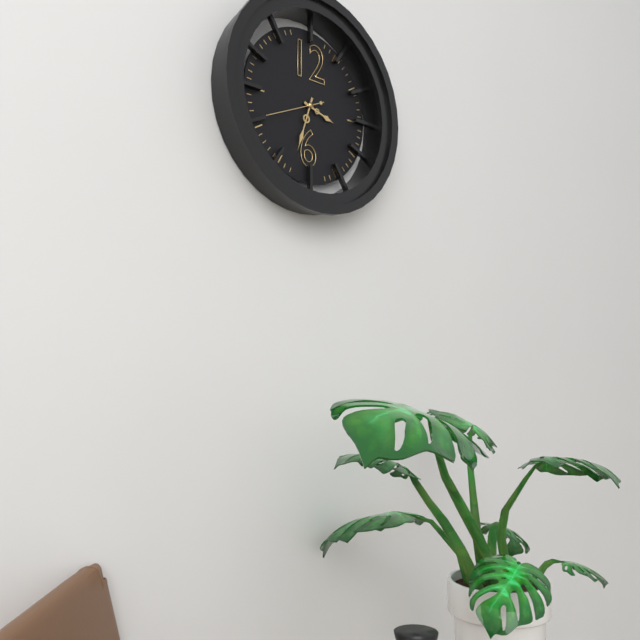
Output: 3h33
